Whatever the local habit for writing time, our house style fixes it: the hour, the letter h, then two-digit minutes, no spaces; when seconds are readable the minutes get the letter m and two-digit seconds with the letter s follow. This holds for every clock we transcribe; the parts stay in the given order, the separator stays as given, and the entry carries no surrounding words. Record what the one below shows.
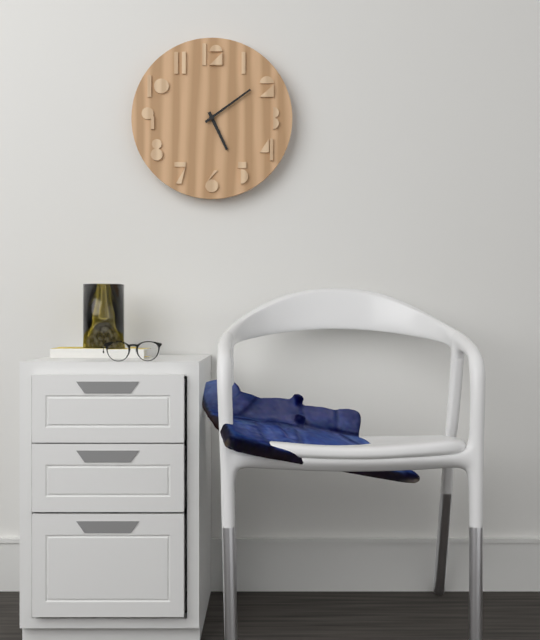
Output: 5h09
